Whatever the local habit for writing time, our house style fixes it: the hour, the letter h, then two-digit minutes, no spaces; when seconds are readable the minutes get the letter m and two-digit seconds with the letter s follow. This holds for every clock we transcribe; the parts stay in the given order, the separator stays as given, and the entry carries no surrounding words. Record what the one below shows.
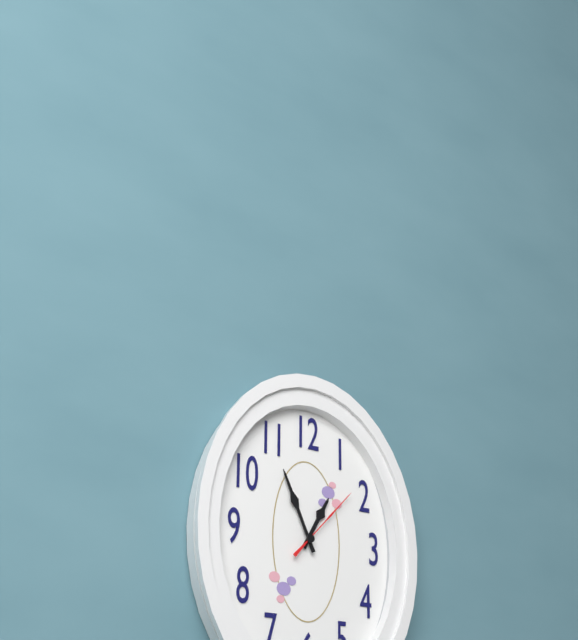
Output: 12h56m07s
